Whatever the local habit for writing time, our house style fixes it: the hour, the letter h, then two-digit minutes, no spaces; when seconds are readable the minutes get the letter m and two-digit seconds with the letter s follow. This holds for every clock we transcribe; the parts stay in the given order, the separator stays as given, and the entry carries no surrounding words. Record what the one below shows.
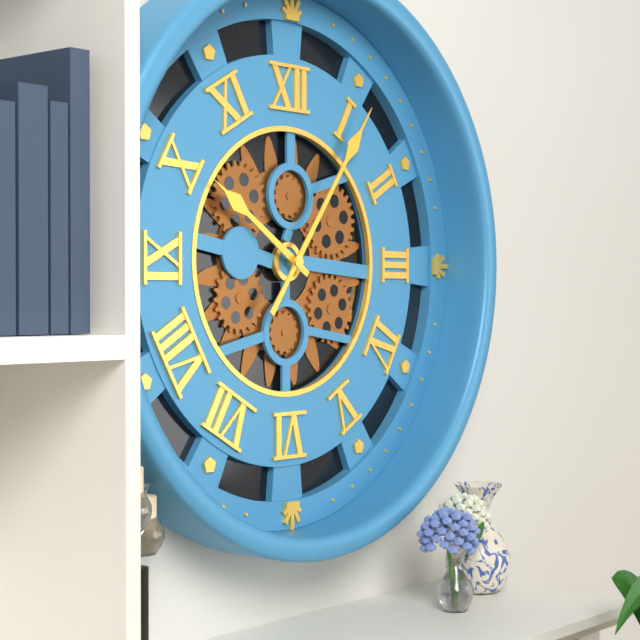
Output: 10h06
